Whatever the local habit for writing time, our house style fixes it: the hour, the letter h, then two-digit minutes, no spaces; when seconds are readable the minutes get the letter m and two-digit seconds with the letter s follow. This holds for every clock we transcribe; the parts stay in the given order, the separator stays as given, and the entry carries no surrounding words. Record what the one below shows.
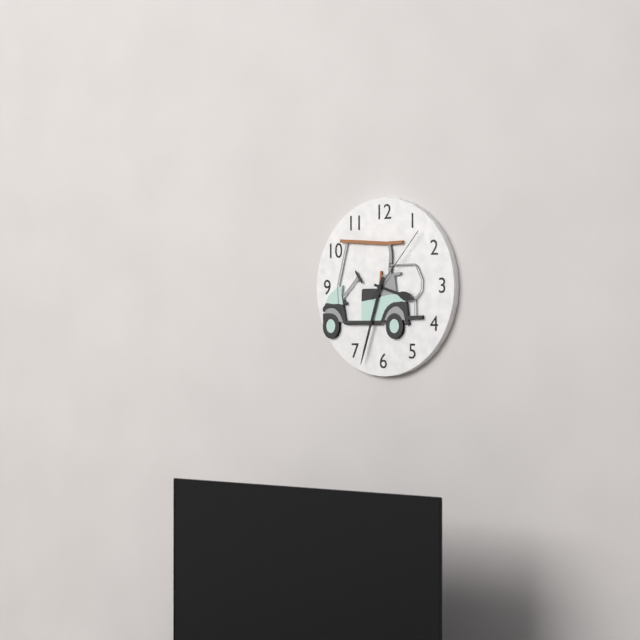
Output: 3h33m07s
